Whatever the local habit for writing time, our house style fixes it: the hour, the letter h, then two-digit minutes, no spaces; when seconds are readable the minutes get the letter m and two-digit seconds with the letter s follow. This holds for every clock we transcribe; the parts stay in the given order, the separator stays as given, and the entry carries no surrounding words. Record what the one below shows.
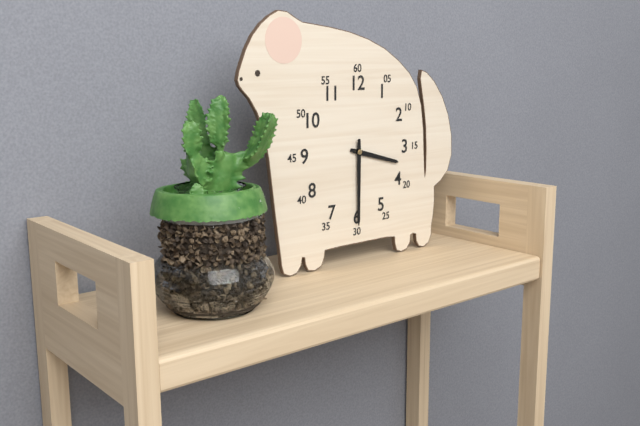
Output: 3h30
